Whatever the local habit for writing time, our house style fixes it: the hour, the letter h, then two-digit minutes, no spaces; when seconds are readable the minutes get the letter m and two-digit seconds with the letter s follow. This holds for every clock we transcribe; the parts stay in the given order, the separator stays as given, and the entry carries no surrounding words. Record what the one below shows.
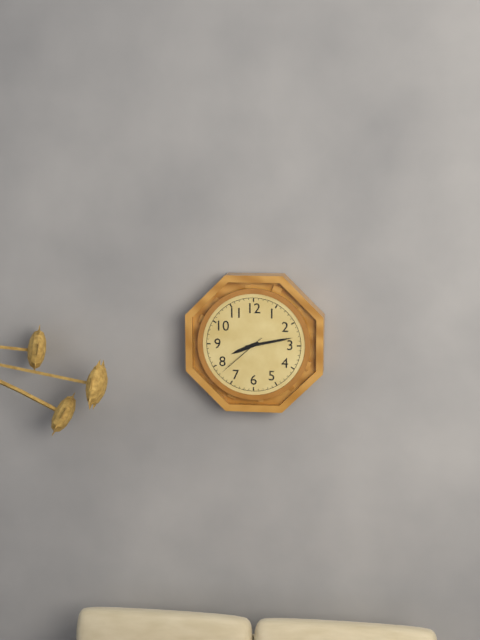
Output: 8h13m38s
